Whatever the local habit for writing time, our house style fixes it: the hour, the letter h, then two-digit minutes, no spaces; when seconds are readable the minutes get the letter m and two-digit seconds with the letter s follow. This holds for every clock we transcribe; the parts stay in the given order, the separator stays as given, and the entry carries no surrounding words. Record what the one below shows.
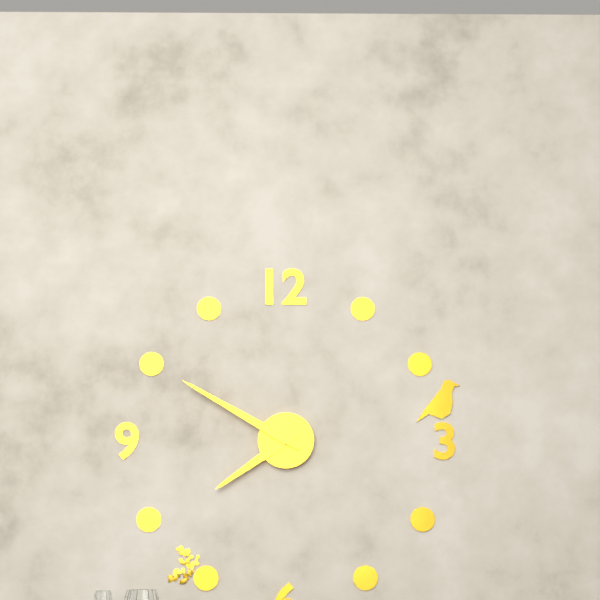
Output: 7h50
